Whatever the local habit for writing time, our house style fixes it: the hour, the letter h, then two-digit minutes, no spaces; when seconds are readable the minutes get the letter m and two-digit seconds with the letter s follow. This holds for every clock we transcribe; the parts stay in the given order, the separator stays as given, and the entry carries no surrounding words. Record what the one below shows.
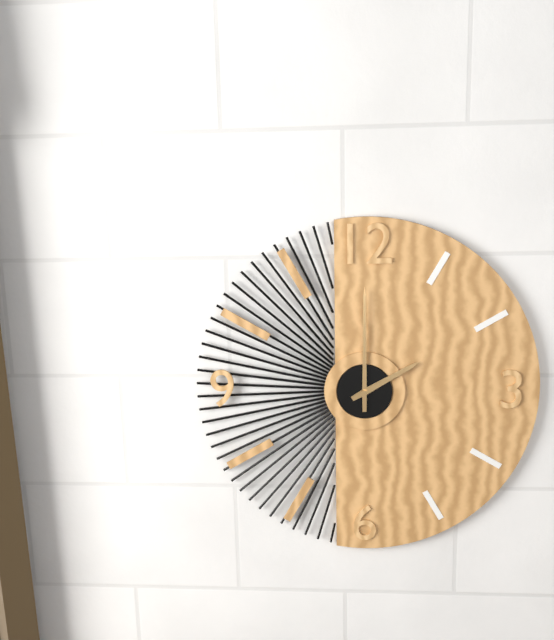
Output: 2h00
